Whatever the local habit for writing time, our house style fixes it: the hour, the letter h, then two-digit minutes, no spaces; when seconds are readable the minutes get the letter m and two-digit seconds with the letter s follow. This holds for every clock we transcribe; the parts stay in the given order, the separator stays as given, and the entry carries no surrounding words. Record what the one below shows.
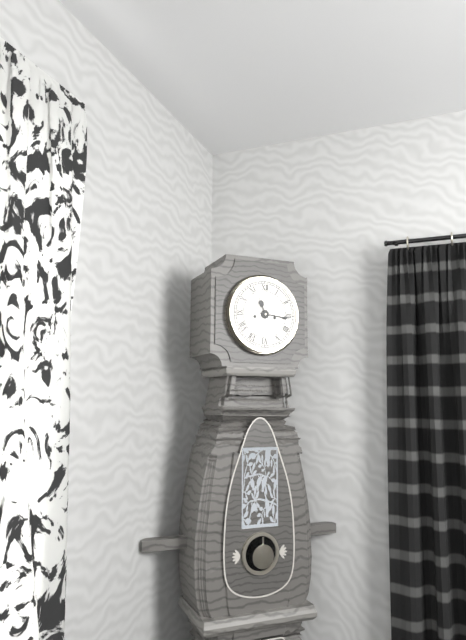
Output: 11h16
